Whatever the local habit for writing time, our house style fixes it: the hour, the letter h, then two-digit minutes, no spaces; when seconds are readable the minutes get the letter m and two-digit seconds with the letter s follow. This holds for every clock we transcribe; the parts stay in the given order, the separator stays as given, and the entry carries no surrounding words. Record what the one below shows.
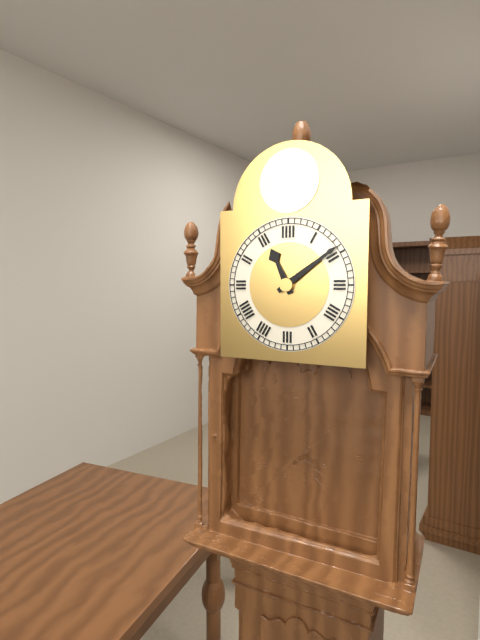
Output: 11h09
